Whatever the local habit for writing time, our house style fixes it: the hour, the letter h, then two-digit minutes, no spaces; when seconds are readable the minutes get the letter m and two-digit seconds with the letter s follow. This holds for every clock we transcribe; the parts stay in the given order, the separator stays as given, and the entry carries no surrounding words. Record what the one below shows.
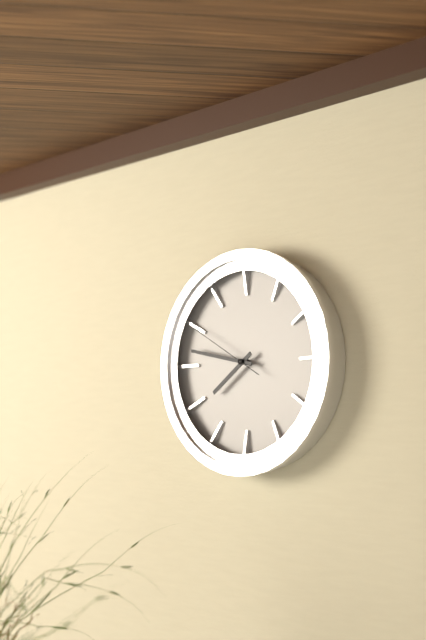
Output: 7h47m50s
